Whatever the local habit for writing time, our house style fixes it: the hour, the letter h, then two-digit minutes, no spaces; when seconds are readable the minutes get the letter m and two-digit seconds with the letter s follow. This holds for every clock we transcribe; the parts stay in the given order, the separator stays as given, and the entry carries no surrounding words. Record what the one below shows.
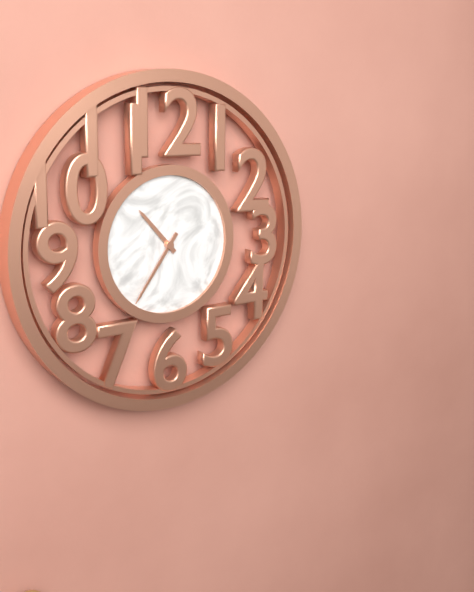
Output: 10h36
